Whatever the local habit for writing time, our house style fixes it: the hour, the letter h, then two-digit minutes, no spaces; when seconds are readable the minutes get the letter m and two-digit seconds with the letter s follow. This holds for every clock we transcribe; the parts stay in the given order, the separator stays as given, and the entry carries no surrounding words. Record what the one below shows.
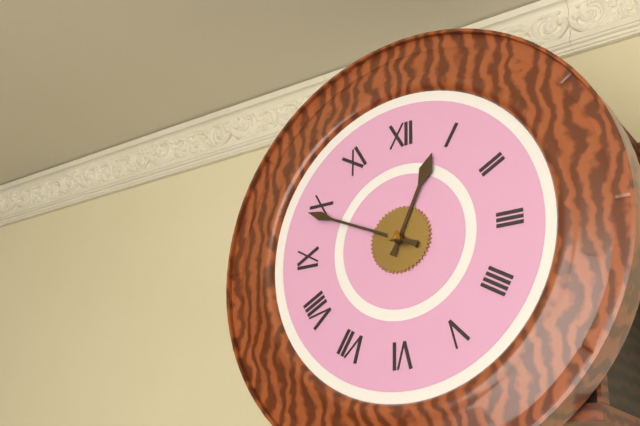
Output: 12h49
